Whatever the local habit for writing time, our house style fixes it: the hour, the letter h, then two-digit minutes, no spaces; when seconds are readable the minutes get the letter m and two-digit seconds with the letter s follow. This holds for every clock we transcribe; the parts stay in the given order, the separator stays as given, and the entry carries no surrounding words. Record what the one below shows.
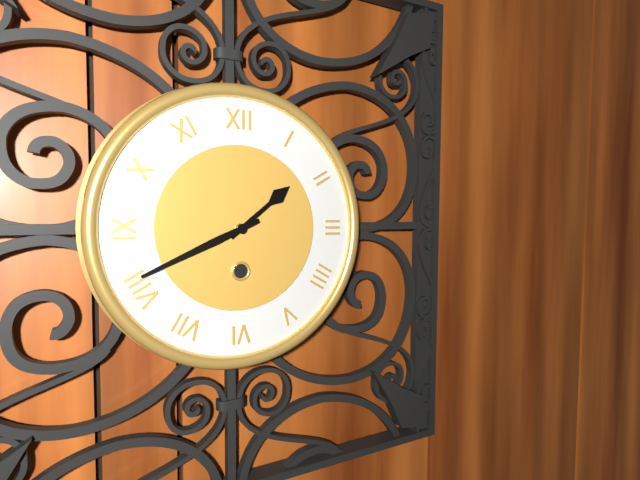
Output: 1h41
